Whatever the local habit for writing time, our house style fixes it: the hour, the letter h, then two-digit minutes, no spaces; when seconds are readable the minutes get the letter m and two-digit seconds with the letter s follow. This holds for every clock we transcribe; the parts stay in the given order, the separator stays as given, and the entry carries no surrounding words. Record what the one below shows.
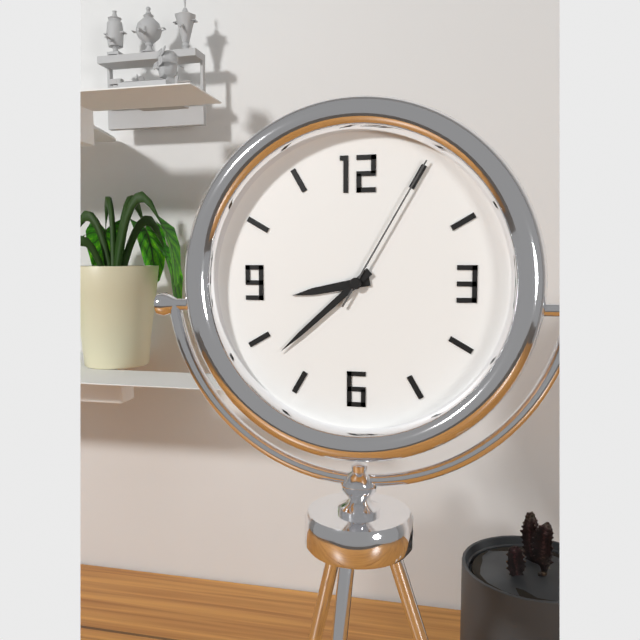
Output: 8h38m05s
